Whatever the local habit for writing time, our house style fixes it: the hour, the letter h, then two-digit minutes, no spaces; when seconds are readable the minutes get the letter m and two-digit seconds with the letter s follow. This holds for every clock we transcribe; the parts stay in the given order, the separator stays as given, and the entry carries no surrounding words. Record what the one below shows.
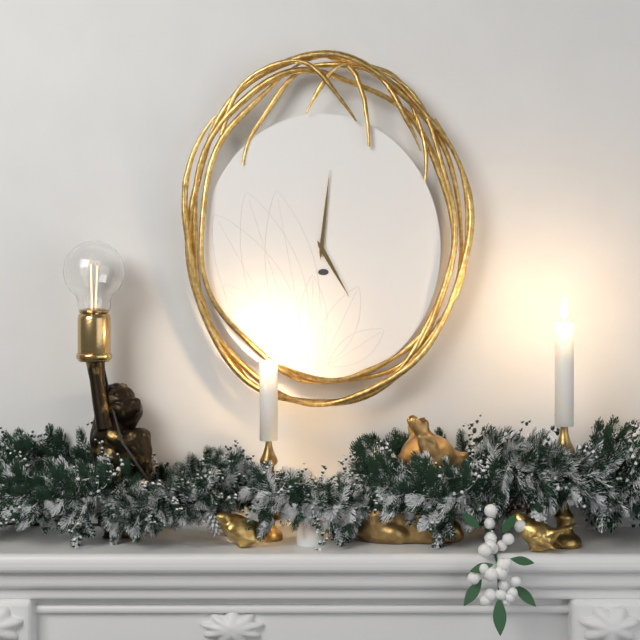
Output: 5h01
